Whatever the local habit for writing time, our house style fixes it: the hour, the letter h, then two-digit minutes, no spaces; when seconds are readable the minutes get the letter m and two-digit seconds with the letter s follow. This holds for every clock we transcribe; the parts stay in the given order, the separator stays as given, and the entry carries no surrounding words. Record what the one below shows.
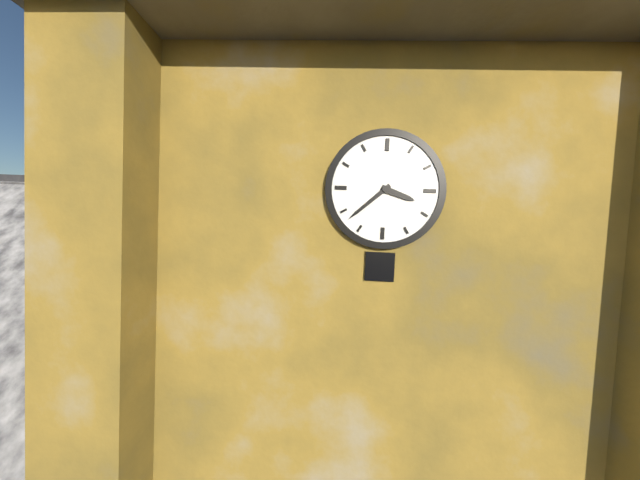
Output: 3h38
